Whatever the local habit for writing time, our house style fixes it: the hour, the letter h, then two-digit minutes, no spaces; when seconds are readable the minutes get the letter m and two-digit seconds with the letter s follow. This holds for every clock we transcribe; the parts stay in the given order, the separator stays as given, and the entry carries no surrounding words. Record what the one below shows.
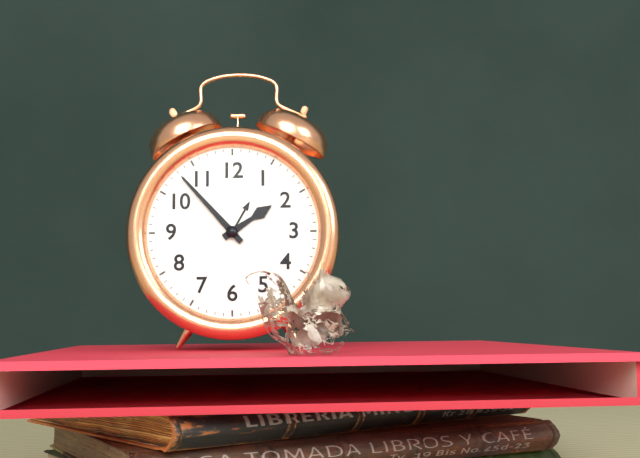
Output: 1h53
